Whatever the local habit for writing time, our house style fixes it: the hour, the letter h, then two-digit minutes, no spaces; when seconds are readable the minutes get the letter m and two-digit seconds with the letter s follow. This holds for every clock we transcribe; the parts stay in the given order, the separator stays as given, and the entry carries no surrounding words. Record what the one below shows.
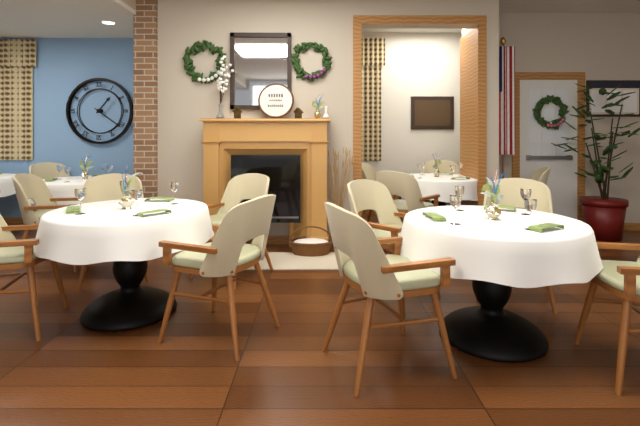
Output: 1h21
